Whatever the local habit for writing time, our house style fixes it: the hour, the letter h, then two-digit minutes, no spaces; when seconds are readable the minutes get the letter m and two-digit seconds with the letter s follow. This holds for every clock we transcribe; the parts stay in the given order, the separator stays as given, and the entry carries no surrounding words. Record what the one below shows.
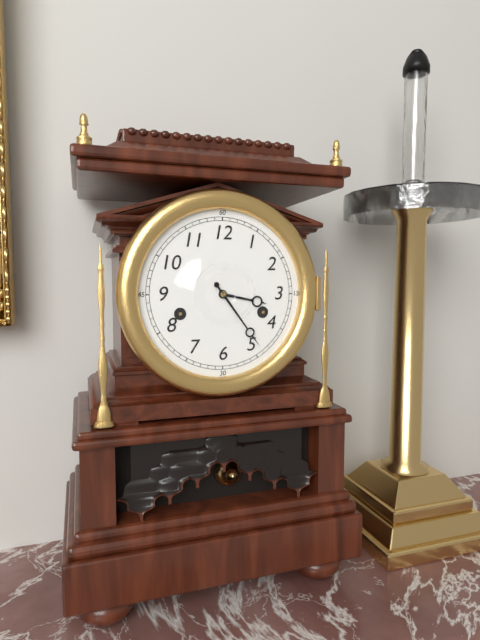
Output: 3h24
